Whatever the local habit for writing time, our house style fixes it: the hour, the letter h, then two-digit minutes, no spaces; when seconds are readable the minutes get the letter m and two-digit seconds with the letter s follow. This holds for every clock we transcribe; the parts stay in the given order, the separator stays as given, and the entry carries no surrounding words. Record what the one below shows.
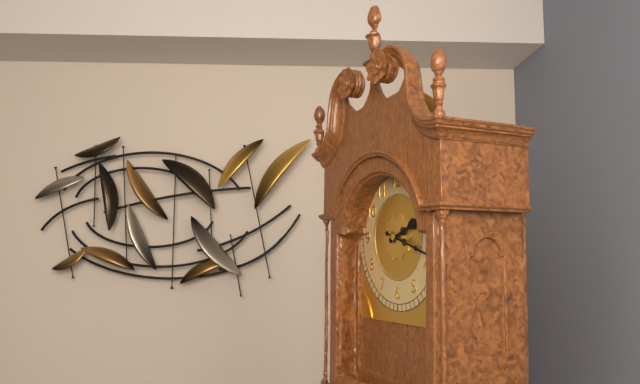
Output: 2h18
